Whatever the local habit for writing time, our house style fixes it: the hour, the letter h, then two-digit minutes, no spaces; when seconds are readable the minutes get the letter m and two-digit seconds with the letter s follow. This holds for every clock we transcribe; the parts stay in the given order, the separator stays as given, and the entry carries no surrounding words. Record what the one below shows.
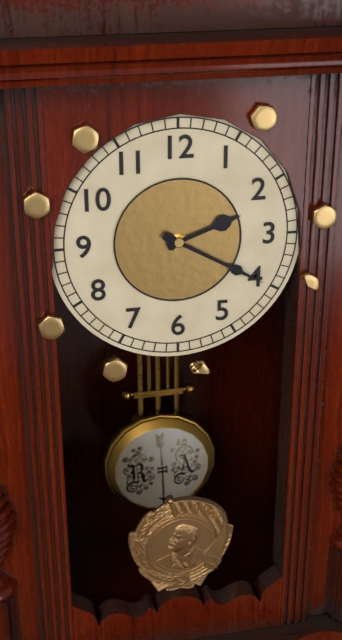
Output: 2h20
